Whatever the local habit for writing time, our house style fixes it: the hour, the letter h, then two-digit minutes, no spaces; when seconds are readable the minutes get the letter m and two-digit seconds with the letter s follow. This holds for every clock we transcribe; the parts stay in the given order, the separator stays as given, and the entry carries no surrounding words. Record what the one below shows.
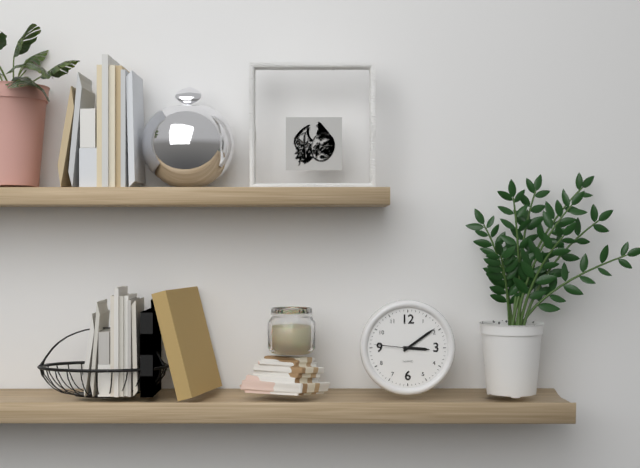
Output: 3h09
